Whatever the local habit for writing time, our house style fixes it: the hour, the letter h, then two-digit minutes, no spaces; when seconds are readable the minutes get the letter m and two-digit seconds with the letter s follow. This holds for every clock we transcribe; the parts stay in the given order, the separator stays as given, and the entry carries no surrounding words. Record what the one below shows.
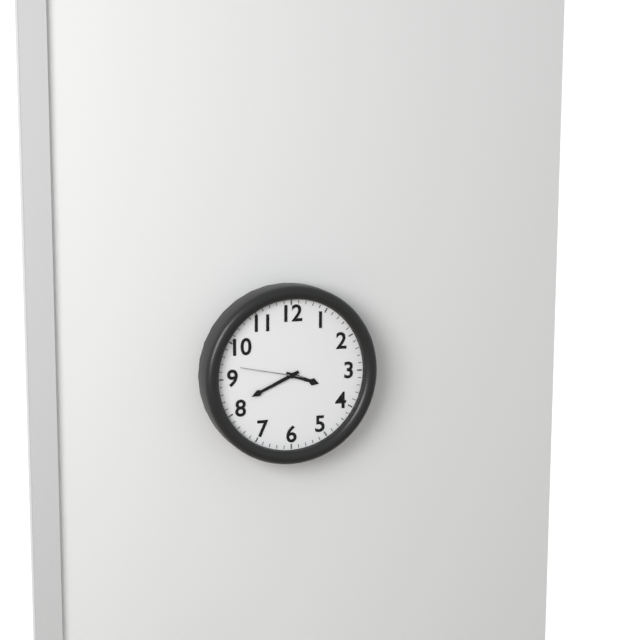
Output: 3h41m47s
